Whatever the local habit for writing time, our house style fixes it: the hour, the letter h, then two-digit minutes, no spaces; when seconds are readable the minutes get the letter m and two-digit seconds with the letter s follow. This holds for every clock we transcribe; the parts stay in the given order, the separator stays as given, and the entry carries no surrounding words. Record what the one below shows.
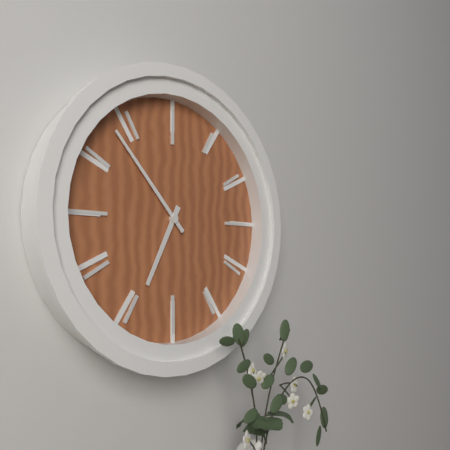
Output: 6h53
